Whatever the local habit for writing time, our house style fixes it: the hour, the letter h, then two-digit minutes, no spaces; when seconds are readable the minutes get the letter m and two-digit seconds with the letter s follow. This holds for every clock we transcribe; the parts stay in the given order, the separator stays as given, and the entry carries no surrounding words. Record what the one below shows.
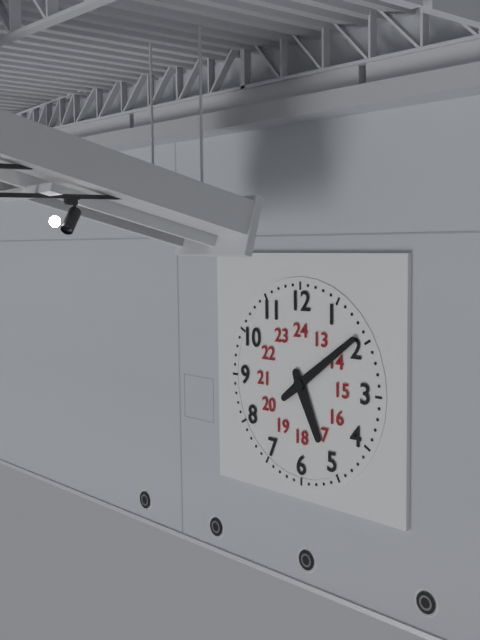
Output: 5h09
